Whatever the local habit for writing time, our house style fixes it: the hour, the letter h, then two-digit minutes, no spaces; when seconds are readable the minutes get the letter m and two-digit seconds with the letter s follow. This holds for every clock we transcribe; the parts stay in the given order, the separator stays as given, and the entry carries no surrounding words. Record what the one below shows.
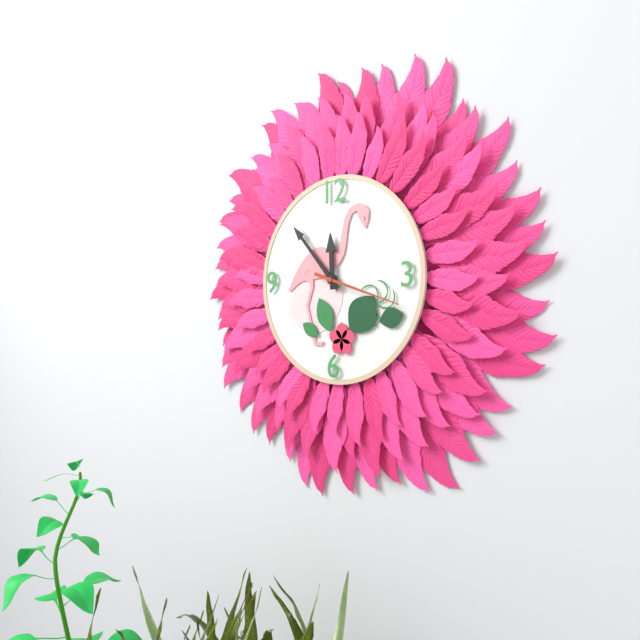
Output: 11h53m18s
